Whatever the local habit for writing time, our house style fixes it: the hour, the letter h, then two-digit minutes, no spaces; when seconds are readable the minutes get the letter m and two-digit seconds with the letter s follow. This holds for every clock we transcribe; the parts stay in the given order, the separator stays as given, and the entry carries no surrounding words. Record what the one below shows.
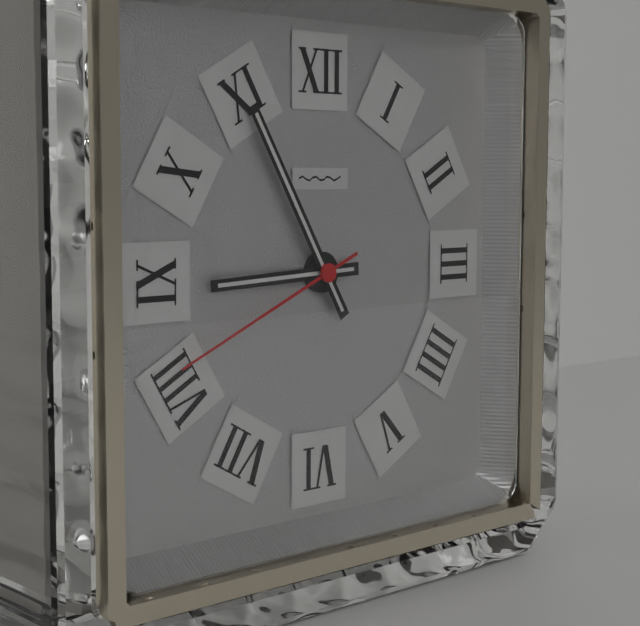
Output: 8h55m41s
